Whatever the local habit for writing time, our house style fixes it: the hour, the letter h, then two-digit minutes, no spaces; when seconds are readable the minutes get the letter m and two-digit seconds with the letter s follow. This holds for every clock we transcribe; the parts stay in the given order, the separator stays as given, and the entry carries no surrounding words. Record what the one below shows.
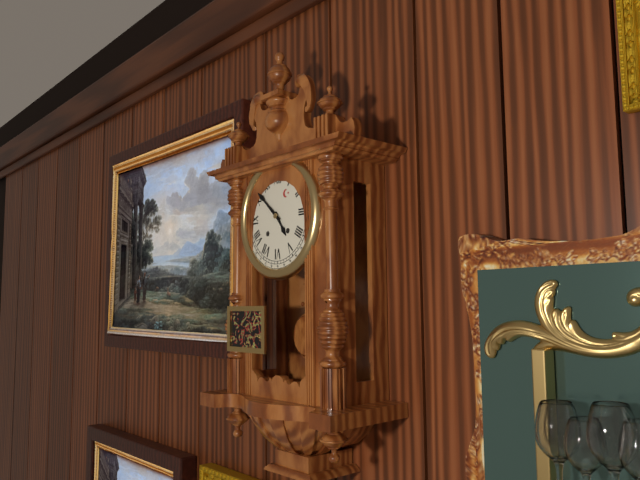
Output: 4h52
